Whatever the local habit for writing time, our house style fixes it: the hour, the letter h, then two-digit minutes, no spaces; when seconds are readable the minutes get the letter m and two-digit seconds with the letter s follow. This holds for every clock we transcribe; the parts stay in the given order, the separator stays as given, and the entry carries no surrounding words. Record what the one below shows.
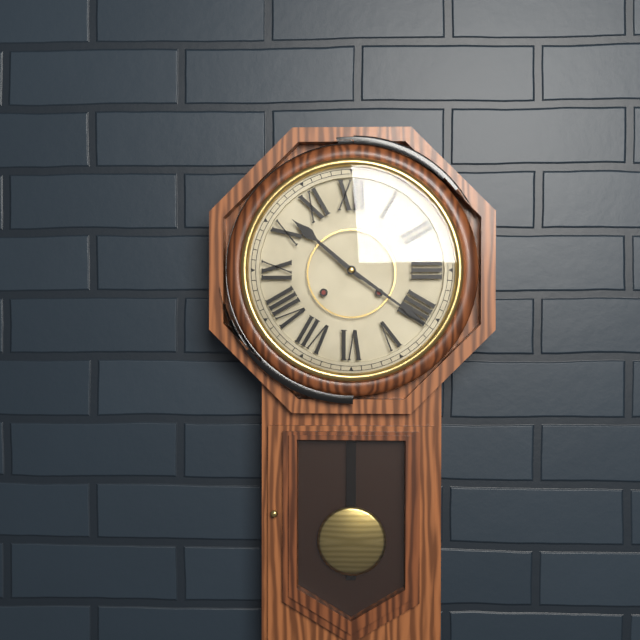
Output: 10h21
